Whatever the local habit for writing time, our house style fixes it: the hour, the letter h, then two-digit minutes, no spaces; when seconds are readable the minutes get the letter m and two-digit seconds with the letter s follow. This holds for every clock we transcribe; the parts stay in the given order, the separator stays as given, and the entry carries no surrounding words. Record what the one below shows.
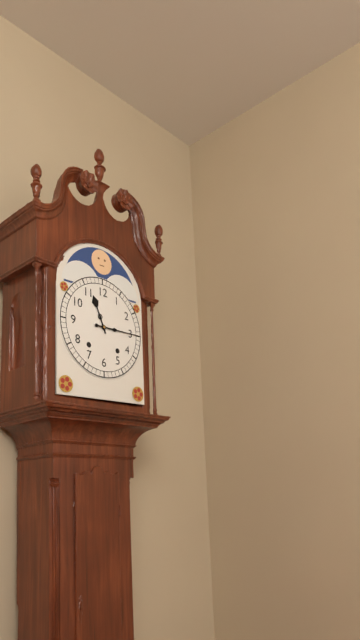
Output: 11h15
